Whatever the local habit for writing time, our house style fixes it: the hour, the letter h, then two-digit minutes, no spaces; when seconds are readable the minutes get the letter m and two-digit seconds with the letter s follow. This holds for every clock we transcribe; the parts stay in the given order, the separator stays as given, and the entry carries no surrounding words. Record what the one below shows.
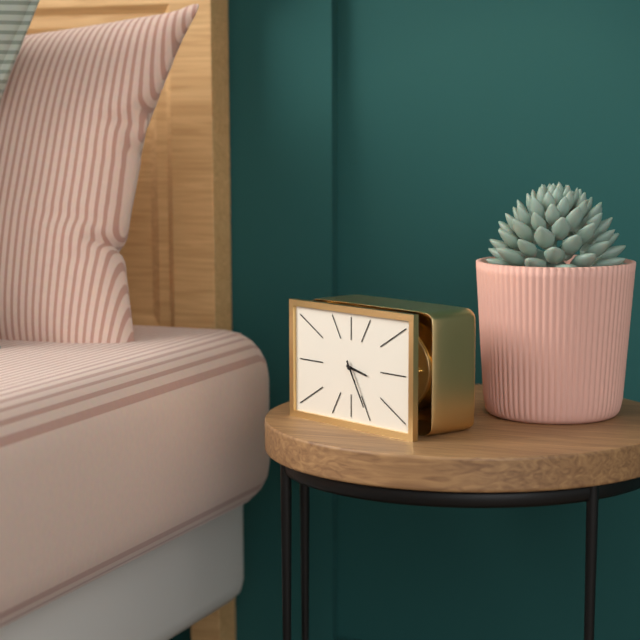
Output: 3h25
